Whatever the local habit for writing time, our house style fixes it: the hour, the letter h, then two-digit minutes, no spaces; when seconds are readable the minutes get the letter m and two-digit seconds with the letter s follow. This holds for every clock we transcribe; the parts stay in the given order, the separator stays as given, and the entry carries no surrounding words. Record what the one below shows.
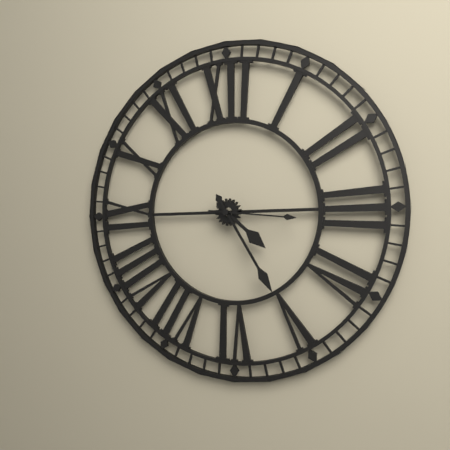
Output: 4h25m16s
